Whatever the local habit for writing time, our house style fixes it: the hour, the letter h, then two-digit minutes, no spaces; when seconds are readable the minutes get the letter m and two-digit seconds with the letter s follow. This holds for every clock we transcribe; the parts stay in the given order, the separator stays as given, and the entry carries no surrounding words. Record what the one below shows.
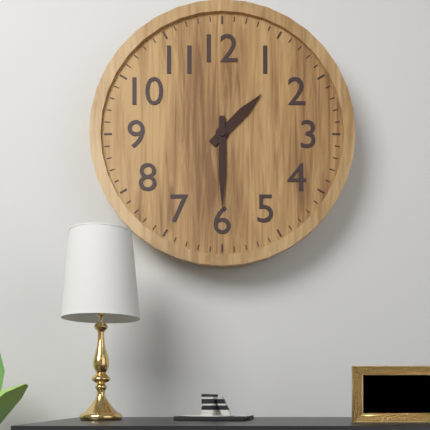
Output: 1h30
